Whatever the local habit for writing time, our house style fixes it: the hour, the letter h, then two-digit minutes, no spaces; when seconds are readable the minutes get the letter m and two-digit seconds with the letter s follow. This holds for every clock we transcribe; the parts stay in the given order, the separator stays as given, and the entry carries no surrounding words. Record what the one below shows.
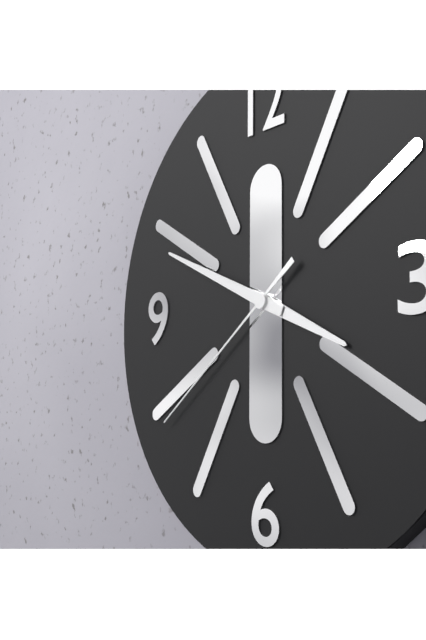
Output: 3h49m39s
